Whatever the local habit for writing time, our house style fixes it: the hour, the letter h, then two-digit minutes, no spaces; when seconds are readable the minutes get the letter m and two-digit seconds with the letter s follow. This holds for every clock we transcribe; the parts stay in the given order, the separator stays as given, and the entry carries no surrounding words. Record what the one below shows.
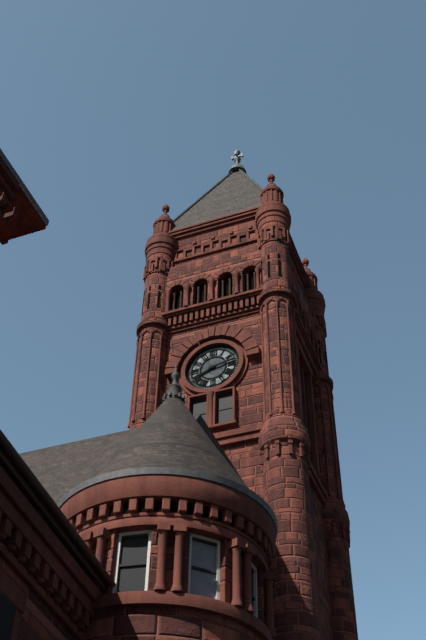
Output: 8h13
